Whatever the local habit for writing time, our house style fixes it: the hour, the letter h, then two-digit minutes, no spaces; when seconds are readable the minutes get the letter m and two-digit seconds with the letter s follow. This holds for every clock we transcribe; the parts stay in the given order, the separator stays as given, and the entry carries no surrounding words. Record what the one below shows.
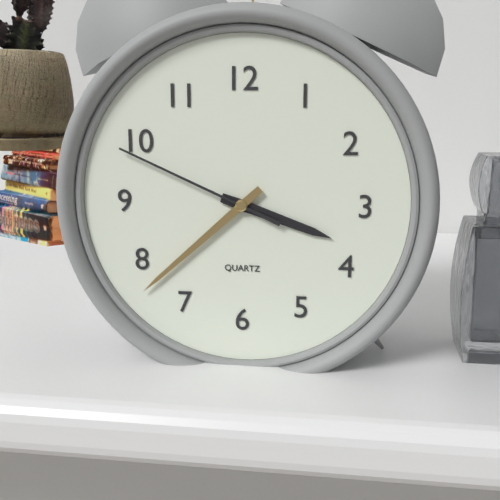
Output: 3h38m49s
